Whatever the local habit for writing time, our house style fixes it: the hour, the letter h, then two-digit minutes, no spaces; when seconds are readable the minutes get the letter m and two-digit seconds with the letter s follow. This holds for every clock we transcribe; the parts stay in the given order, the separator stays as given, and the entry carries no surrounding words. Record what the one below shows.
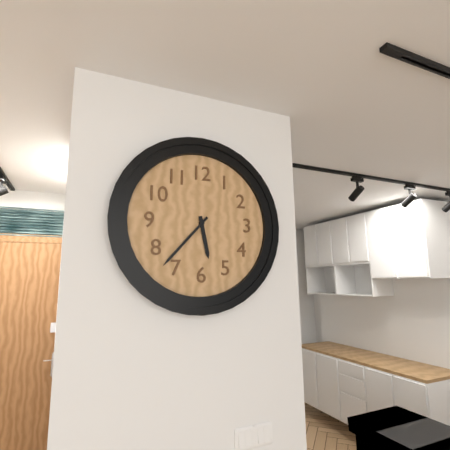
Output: 5h37
